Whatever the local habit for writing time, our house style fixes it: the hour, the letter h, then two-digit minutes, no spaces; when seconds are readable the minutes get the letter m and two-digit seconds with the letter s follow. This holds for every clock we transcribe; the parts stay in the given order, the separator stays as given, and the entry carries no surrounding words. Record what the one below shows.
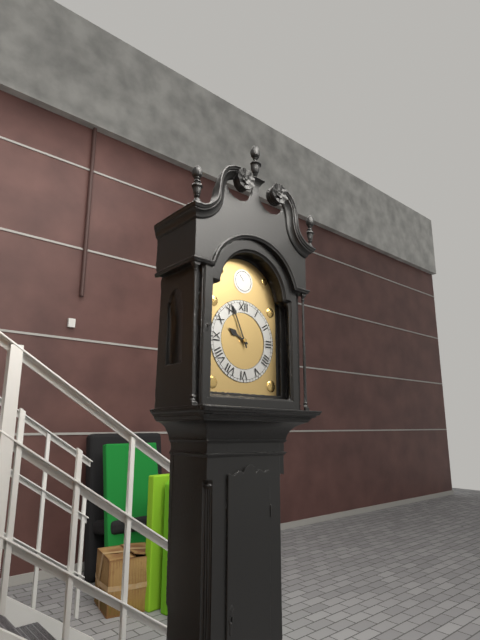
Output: 9h56
